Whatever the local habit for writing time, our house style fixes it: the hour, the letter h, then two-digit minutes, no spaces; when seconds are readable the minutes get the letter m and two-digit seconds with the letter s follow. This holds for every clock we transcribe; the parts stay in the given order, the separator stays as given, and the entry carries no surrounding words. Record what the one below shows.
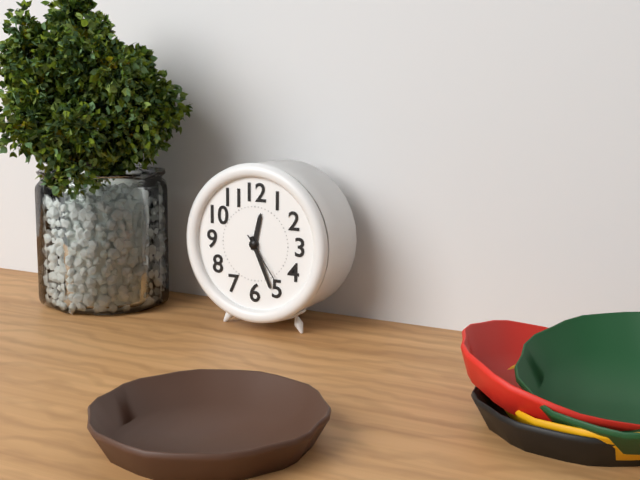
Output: 12h26m24s
